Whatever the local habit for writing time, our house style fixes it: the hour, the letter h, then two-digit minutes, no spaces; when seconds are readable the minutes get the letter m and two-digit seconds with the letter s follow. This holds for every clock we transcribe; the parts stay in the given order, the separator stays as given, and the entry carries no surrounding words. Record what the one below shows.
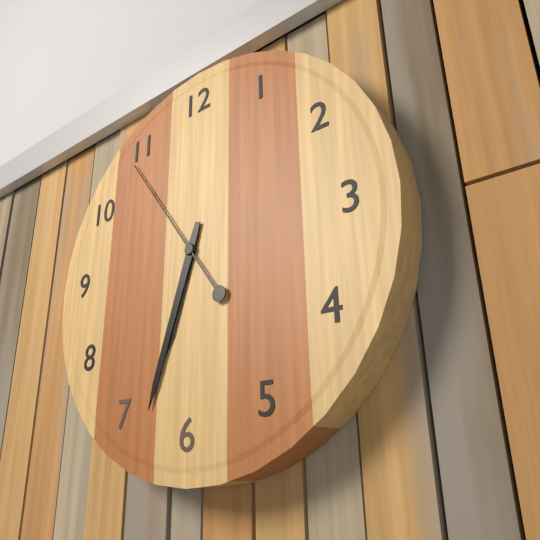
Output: 6h33m54s
